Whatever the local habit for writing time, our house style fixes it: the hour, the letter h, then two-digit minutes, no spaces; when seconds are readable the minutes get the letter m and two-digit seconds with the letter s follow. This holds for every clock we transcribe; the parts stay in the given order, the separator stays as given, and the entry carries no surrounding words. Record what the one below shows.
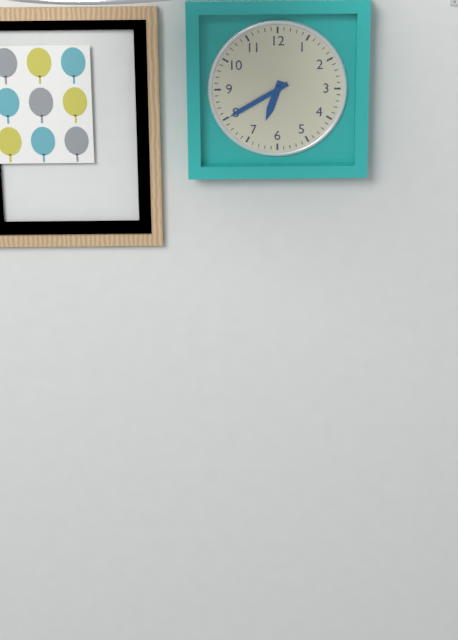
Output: 6h40
